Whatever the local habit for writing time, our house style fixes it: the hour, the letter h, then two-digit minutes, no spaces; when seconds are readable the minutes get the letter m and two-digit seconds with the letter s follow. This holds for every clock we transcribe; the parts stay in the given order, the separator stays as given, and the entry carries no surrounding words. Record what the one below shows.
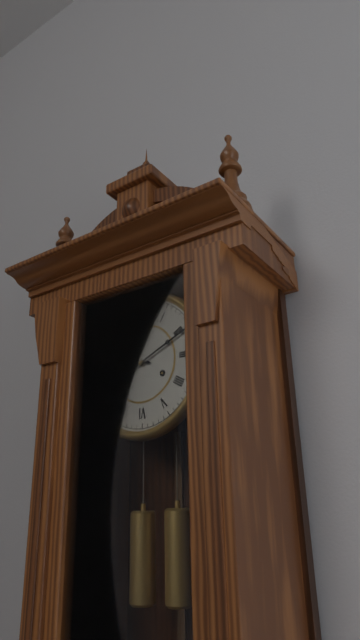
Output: 9h11
